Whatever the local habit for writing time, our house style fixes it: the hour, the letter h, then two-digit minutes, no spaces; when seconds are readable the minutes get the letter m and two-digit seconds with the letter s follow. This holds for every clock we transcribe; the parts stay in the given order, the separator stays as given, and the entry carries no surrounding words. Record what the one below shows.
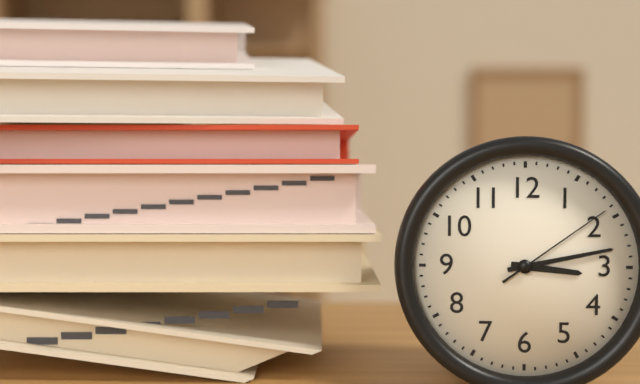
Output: 3h13m09s
